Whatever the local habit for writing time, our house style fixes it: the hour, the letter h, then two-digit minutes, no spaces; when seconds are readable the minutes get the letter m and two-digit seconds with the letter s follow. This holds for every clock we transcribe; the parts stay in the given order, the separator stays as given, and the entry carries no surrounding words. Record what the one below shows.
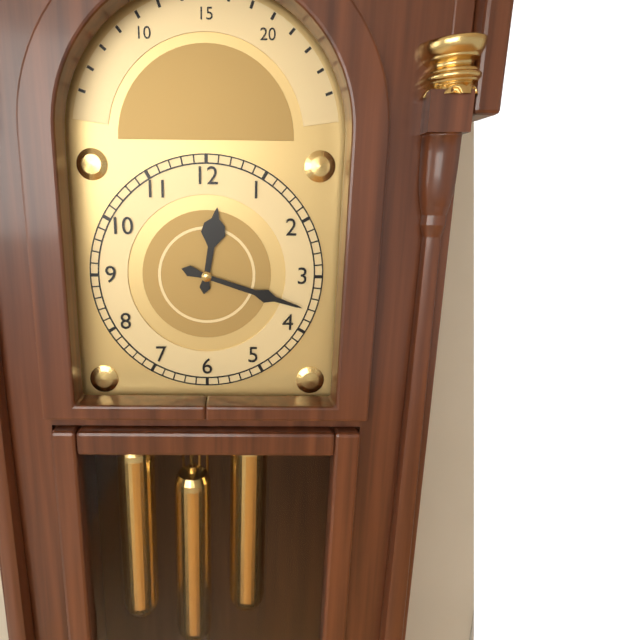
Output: 12h18
